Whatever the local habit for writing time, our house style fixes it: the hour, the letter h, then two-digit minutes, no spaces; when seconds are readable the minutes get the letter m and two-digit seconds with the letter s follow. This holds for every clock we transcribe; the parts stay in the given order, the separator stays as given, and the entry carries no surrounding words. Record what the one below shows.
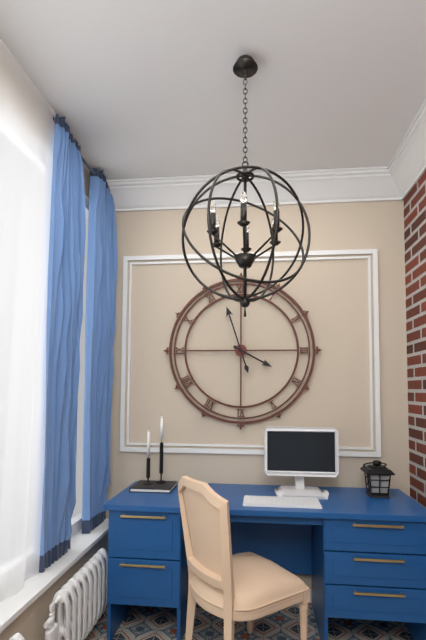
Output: 3h57
